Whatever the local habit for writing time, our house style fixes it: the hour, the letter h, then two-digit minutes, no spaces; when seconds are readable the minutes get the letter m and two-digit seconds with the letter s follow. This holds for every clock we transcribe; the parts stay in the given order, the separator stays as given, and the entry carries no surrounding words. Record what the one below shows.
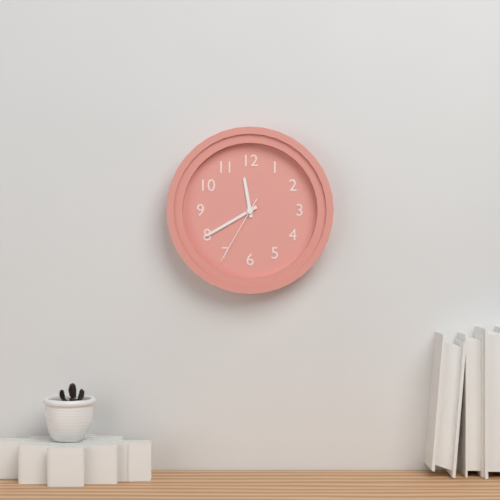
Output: 11h40m35s
